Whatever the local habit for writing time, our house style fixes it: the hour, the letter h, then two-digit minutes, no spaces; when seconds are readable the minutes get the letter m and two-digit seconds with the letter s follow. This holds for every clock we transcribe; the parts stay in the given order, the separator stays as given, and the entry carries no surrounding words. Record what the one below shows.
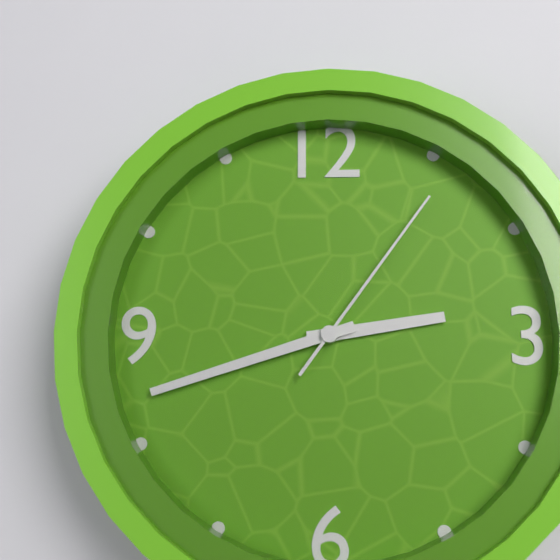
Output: 2h42m06s
